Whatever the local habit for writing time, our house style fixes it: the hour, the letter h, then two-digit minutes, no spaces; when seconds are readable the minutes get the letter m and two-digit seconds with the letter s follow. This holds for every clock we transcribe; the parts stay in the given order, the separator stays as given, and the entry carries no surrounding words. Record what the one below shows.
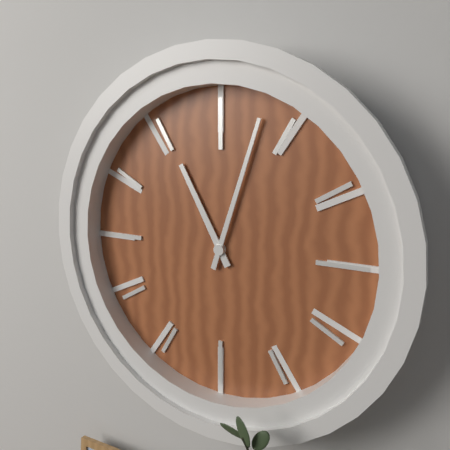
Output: 11h03
